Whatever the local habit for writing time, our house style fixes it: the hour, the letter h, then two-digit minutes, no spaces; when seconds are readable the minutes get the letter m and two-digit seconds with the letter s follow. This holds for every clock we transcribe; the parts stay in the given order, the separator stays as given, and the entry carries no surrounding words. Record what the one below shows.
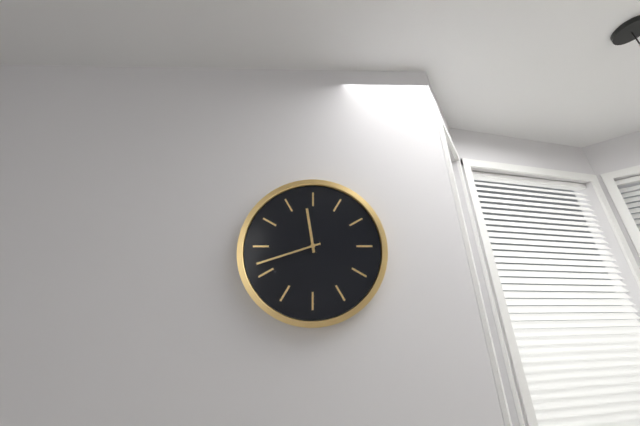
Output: 11h42
